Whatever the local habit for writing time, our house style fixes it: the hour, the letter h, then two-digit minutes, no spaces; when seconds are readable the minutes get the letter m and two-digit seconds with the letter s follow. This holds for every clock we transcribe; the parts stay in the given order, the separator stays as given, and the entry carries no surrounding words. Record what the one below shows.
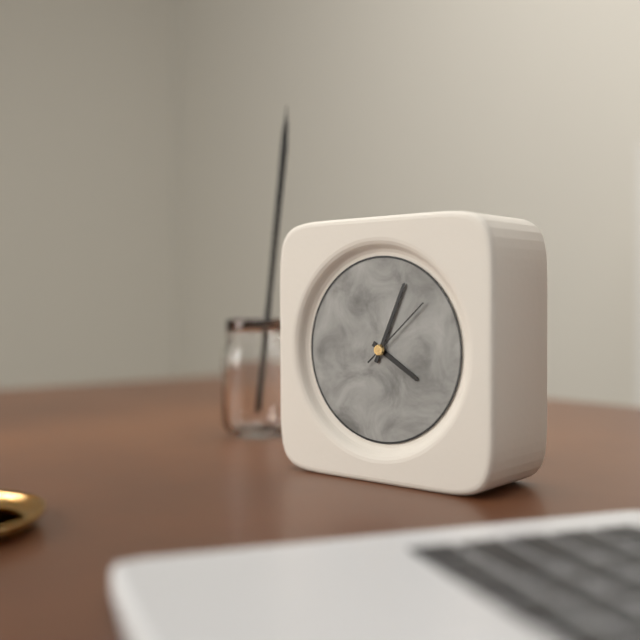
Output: 4h04m08s
